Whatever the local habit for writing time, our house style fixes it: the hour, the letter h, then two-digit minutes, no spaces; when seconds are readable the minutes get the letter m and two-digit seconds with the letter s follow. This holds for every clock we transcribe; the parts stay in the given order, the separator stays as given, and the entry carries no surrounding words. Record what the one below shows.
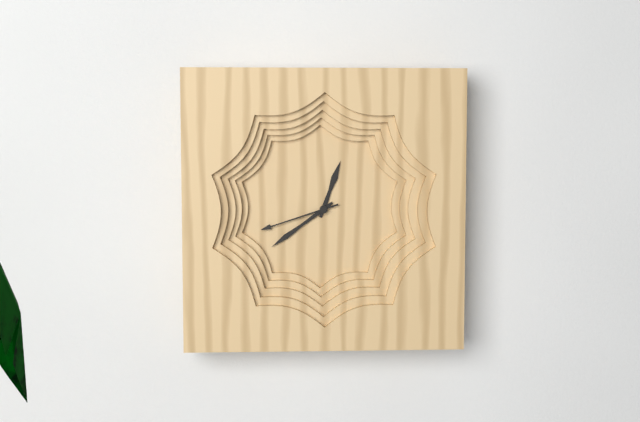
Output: 12h39m42s
